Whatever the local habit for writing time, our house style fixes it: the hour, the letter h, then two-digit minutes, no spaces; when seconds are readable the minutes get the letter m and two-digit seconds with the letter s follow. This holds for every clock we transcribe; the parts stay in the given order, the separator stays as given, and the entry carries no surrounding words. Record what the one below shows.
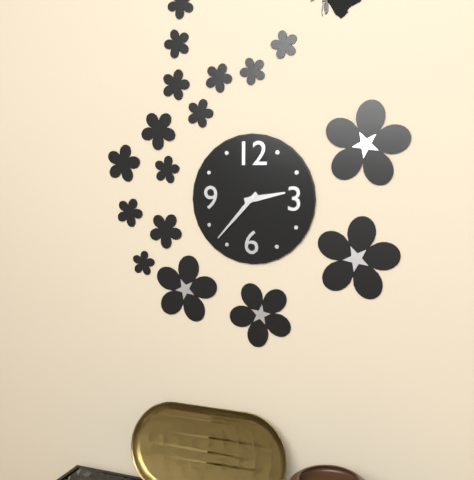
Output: 2h37
